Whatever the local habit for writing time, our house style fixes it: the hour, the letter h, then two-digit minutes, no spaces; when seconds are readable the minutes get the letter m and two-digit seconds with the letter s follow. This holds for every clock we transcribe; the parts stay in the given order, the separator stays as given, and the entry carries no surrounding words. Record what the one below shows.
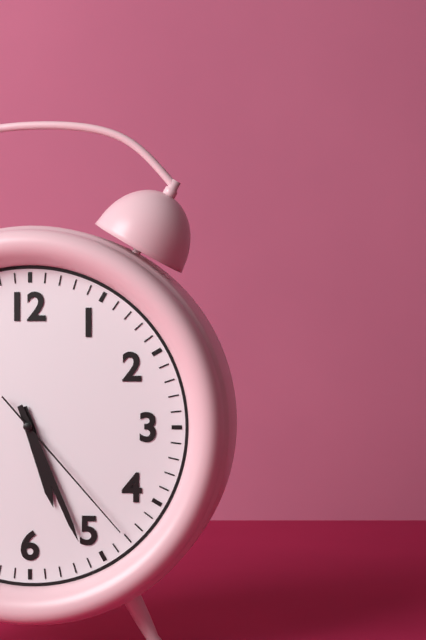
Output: 5h26m23s
